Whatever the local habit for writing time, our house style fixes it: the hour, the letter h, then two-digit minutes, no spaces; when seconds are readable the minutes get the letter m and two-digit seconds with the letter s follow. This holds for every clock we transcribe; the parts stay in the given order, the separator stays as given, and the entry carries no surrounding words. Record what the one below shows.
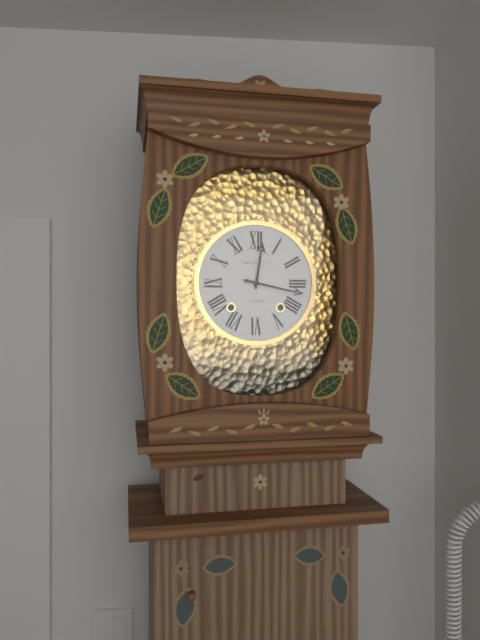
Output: 12h17
